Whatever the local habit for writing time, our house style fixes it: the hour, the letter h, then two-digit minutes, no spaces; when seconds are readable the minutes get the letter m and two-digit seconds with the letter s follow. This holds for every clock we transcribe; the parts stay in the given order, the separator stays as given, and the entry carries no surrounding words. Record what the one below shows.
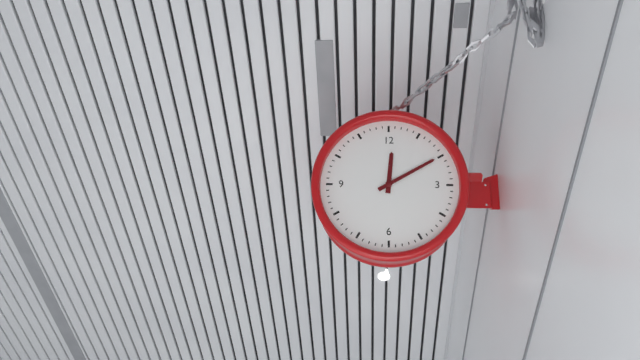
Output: 12h10
